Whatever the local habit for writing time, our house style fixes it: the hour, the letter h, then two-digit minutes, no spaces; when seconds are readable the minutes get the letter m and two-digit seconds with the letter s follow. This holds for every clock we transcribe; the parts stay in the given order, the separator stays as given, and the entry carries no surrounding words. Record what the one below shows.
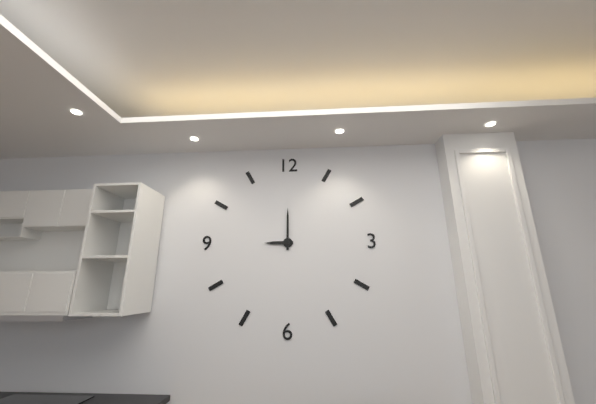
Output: 9h00
